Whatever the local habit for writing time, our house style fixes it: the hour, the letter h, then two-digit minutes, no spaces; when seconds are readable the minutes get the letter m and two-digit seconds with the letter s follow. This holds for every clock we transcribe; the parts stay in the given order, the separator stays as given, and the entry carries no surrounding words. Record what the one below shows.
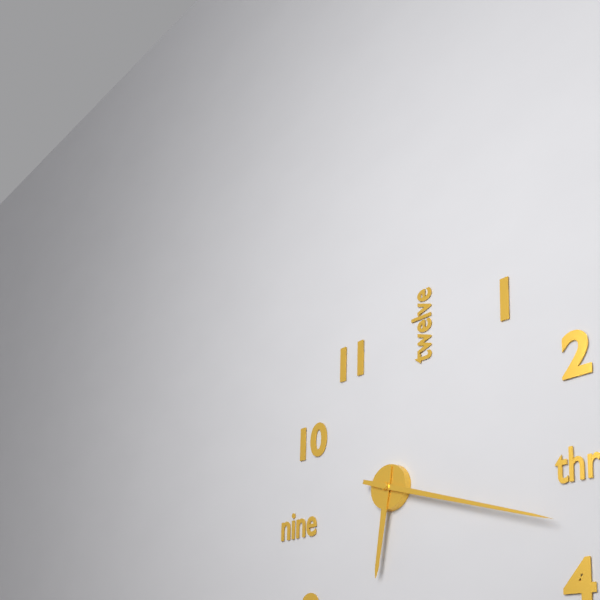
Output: 6h18
